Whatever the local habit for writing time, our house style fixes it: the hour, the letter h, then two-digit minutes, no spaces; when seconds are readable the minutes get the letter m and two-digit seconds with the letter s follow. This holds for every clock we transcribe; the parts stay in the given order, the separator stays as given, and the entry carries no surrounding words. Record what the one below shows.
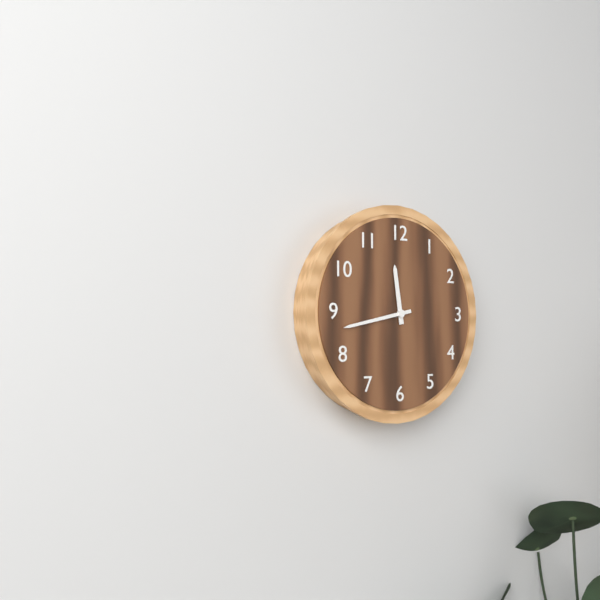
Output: 11h43
